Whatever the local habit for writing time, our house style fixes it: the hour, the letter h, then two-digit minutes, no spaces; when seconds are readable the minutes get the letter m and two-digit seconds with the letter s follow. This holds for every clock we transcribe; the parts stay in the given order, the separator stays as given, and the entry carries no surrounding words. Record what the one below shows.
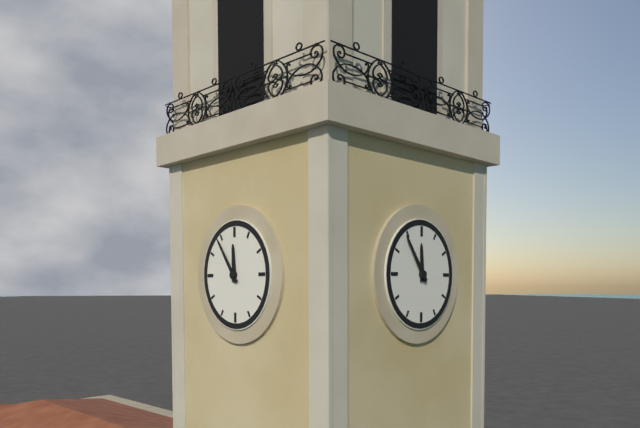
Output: 11h54
